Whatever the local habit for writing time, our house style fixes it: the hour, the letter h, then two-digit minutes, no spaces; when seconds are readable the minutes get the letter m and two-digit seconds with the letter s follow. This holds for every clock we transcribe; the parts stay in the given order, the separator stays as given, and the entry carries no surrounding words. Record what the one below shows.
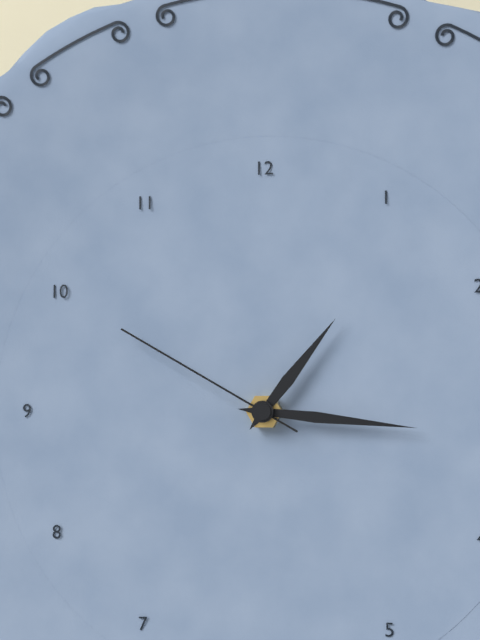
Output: 1h16m50s
